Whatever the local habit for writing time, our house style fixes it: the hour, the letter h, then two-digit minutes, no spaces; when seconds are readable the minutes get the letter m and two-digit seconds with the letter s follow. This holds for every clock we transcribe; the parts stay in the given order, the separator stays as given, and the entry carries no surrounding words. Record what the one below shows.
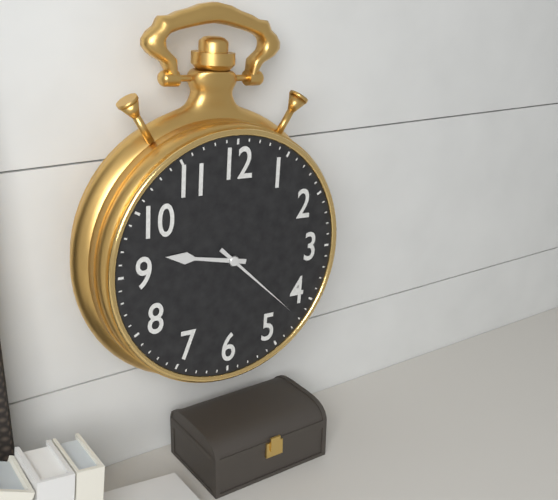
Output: 9h22
